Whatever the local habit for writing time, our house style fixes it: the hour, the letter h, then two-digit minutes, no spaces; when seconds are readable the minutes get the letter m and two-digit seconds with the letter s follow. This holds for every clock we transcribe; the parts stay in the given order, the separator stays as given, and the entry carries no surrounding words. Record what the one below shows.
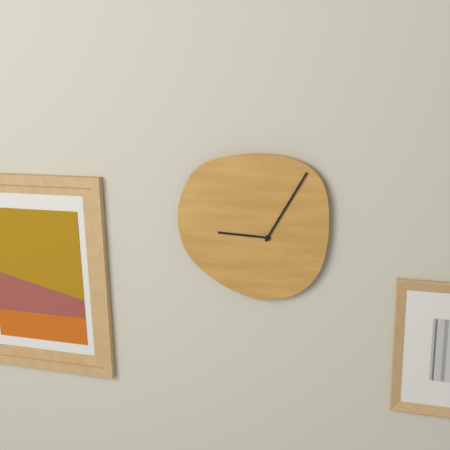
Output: 9h05
